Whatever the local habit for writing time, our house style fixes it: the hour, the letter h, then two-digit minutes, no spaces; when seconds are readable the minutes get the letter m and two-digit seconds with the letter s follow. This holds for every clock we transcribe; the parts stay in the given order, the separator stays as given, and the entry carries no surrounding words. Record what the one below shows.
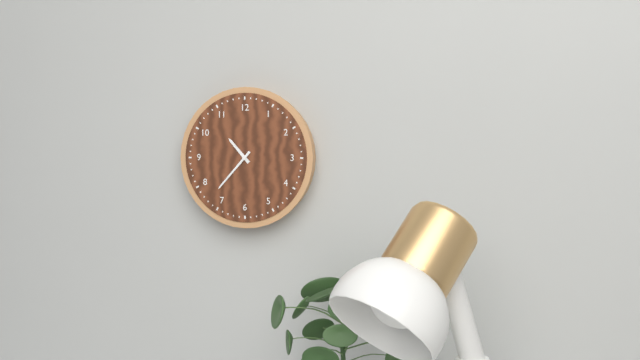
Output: 10h37
